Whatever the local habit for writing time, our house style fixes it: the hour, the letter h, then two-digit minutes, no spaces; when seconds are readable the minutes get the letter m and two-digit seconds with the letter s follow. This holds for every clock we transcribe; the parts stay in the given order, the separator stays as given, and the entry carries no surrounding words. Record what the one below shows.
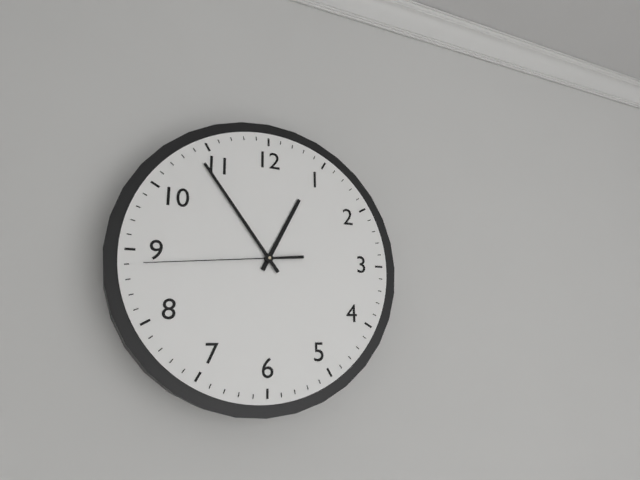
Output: 12h54m44s
